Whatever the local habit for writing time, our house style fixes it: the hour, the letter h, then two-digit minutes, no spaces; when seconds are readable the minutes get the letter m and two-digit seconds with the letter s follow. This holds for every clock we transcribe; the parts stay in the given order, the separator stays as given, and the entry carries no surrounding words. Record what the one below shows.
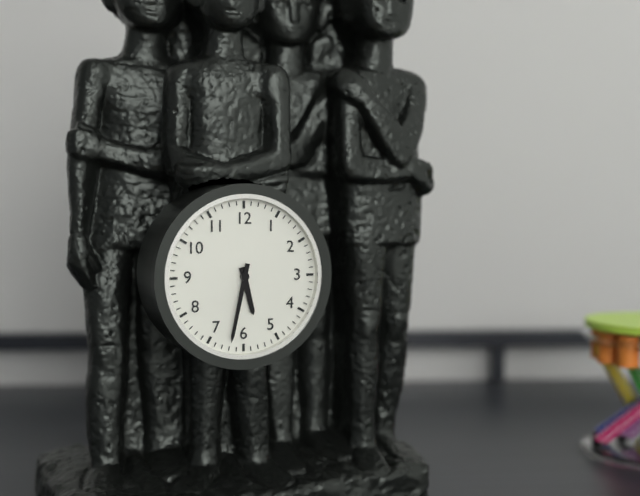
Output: 5h32
